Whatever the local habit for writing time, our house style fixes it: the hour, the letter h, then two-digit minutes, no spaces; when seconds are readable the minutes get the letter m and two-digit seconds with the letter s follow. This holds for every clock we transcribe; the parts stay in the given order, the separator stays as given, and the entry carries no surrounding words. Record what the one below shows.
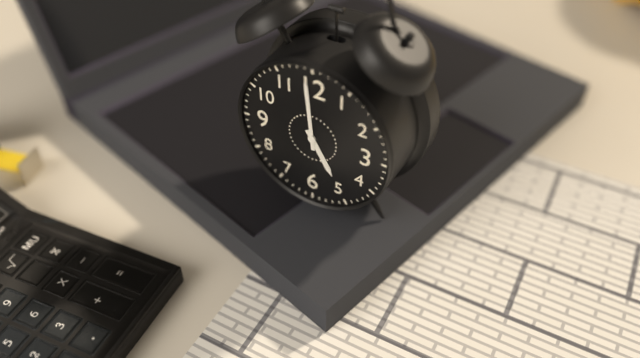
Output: 4h59
